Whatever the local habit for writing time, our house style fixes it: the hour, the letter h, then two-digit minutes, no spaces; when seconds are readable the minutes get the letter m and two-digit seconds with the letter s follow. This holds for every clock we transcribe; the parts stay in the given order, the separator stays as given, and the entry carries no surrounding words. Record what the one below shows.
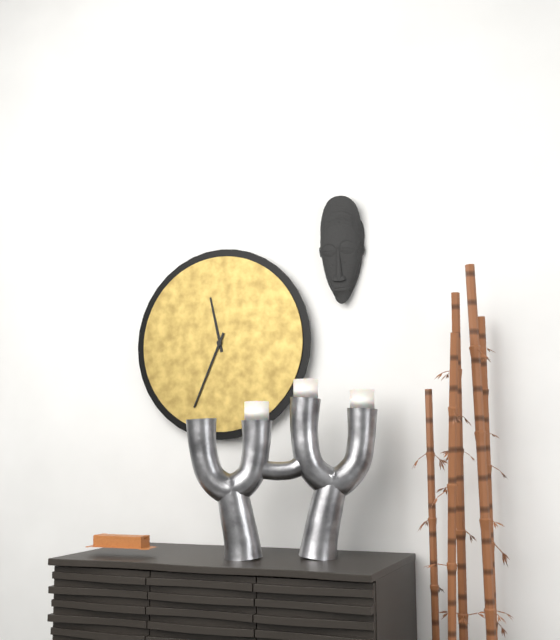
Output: 11h34
